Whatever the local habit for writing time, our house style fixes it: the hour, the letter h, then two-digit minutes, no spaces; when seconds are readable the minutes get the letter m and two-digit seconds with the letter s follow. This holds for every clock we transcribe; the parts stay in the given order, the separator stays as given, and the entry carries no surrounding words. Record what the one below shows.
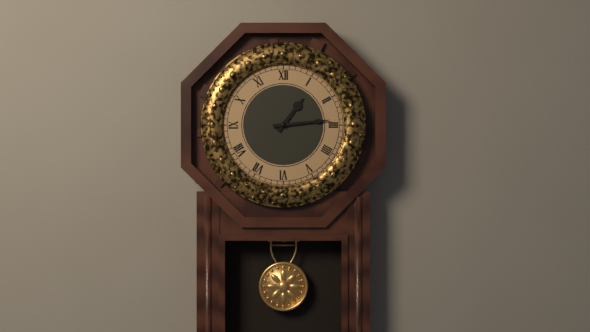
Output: 1h14
